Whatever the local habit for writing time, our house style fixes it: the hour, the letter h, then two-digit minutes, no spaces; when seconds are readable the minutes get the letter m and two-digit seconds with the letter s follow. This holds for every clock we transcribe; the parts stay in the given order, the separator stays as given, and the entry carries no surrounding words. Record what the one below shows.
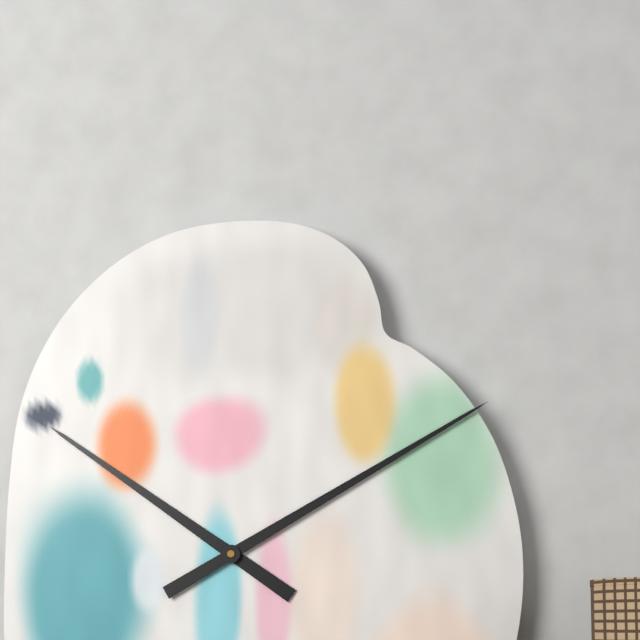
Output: 10h10
